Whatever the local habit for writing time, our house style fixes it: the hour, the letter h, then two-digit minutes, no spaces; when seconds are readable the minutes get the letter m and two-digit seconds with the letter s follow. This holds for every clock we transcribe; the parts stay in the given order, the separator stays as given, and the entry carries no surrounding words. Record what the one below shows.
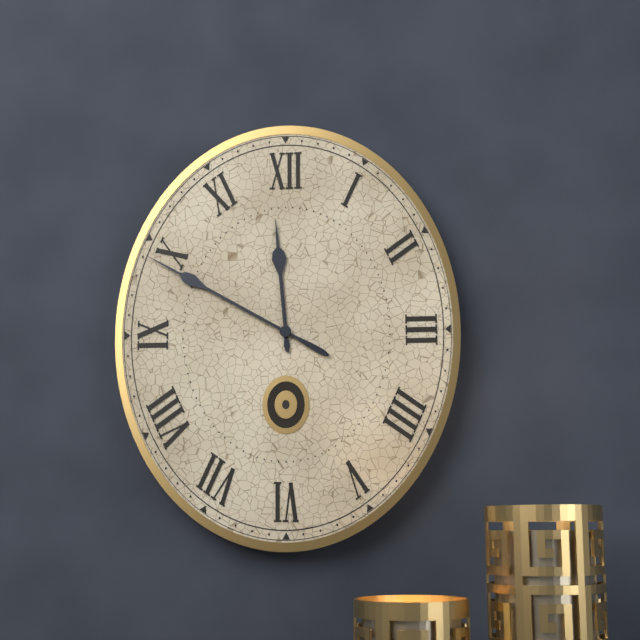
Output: 11h50
